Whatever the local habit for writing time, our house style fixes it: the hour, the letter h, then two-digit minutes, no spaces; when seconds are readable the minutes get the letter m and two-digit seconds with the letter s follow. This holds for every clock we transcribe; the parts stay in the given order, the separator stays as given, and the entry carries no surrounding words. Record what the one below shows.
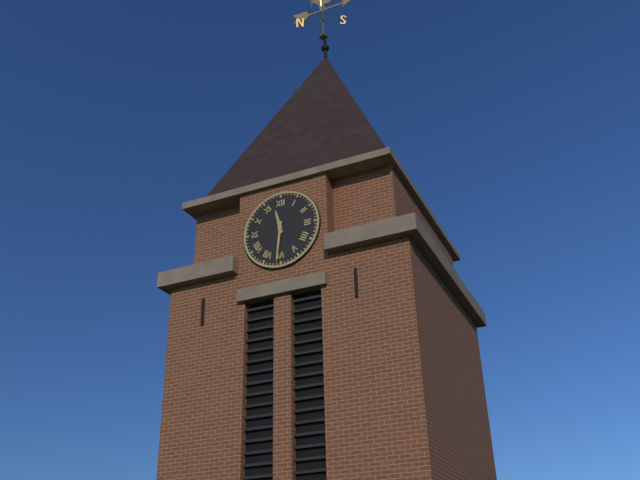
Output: 11h31
